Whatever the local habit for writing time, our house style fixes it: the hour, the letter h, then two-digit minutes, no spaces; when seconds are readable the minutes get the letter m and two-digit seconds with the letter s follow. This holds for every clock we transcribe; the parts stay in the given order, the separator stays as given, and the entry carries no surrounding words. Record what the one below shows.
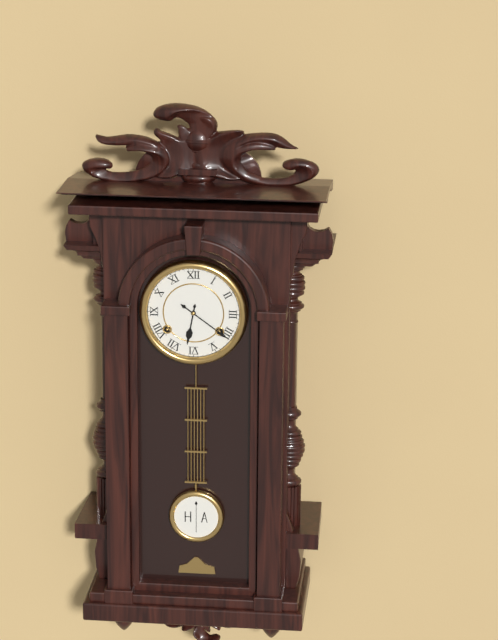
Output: 6h21
